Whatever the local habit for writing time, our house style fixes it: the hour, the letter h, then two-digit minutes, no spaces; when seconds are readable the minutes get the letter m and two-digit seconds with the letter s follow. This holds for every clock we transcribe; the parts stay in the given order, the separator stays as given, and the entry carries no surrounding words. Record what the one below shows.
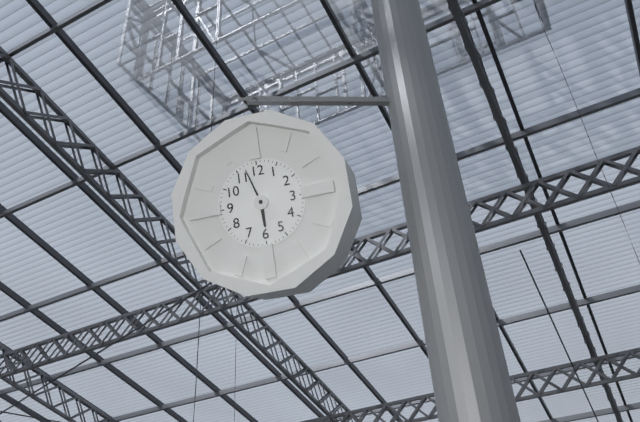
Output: 5h57
